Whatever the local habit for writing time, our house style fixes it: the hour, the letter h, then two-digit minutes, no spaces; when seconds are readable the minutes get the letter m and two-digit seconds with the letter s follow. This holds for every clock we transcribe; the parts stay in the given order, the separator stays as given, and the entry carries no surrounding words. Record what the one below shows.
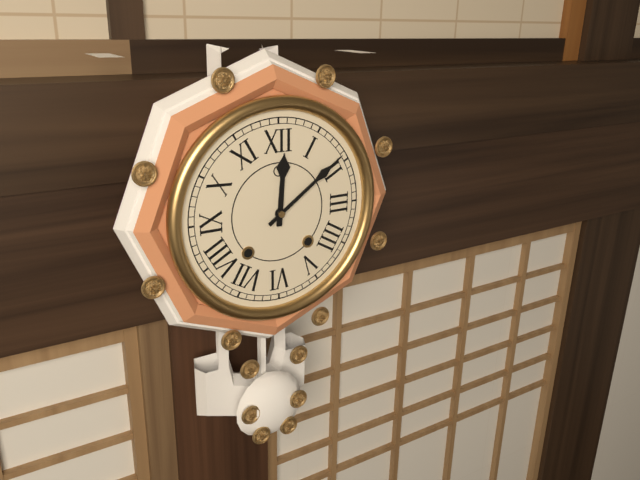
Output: 12h09
